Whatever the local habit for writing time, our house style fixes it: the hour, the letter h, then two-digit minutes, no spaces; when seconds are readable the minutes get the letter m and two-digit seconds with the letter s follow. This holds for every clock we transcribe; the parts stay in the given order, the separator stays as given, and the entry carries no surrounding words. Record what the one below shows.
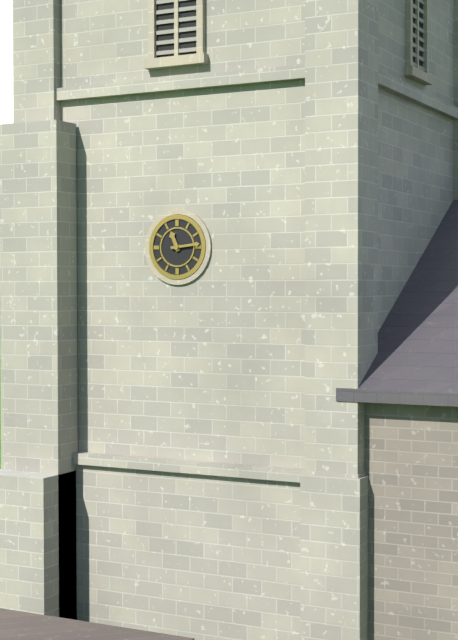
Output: 11h14
